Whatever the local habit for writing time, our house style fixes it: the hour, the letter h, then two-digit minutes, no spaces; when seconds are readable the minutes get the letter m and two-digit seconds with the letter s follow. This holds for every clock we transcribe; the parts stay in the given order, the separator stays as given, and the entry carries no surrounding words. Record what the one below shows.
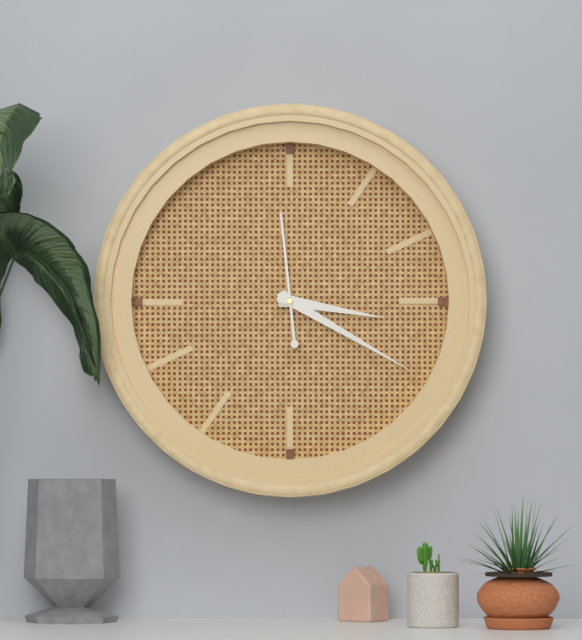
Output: 3h20m59s
